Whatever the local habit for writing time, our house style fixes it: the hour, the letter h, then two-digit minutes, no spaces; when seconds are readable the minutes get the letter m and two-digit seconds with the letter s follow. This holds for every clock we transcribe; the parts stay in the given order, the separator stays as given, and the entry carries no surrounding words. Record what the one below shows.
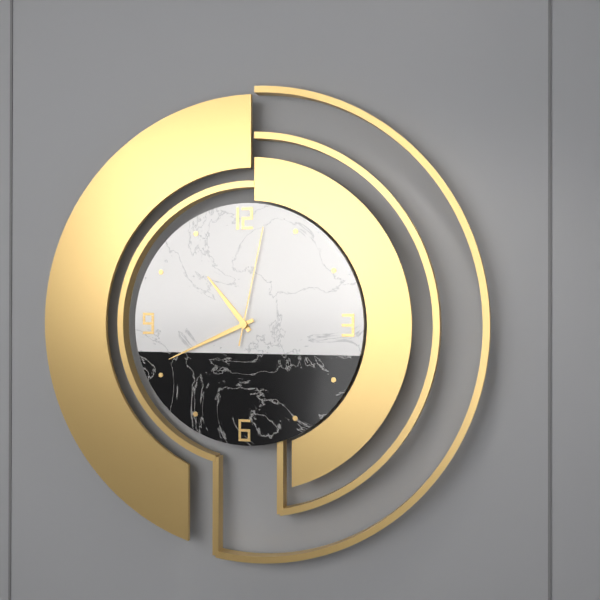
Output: 10h41m02s
